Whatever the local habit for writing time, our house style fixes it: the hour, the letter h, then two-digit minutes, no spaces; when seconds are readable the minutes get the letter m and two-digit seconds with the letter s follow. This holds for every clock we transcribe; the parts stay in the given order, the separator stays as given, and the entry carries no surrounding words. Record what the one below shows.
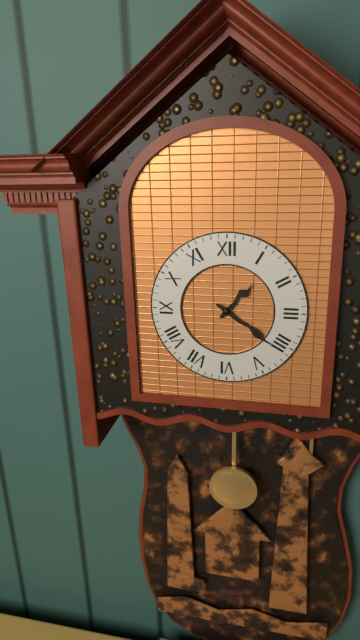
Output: 1h21
